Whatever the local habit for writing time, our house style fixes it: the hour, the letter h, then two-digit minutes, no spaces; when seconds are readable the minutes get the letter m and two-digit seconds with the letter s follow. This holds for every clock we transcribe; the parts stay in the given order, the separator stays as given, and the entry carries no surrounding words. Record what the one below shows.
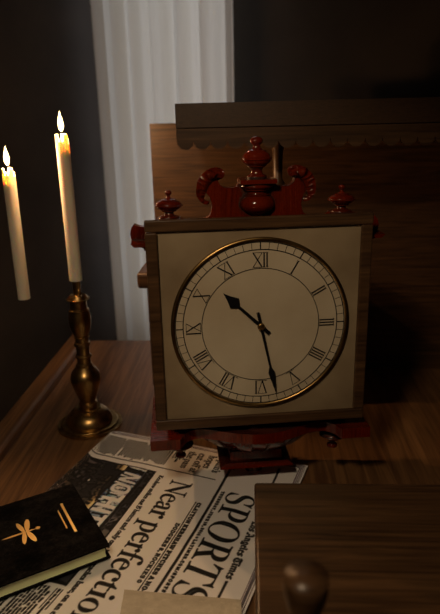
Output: 10h28
